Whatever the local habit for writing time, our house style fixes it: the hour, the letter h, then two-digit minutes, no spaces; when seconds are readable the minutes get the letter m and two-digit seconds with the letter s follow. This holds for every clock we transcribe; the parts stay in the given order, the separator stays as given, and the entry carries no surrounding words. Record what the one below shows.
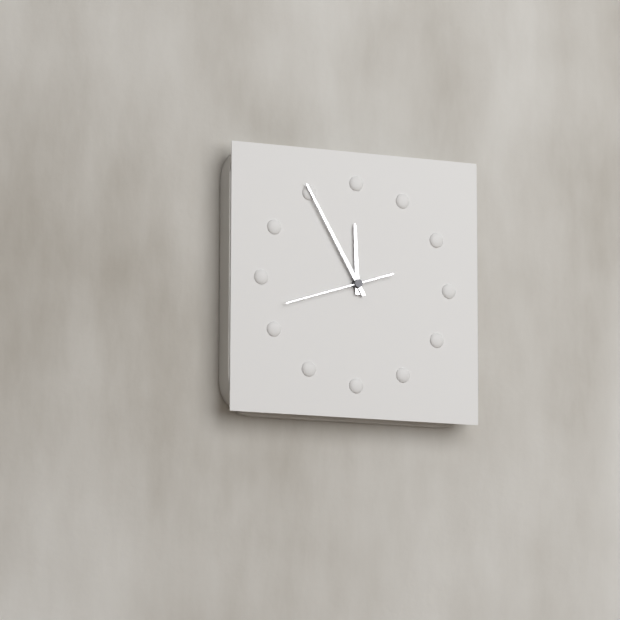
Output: 11h55m42s
